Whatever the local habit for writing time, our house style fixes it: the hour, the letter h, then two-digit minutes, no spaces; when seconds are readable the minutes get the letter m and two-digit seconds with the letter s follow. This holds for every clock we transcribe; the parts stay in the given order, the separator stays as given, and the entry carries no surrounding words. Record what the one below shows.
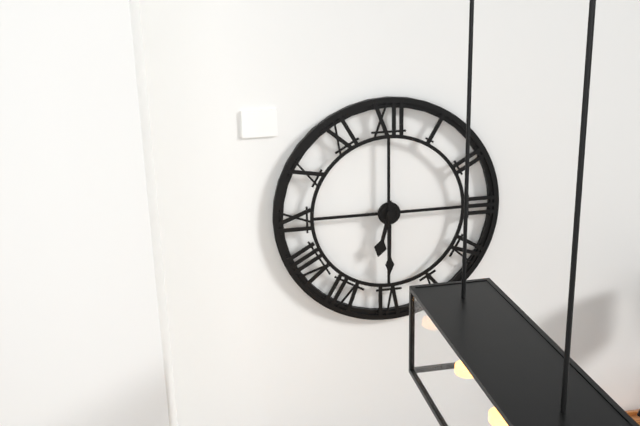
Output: 6h30
